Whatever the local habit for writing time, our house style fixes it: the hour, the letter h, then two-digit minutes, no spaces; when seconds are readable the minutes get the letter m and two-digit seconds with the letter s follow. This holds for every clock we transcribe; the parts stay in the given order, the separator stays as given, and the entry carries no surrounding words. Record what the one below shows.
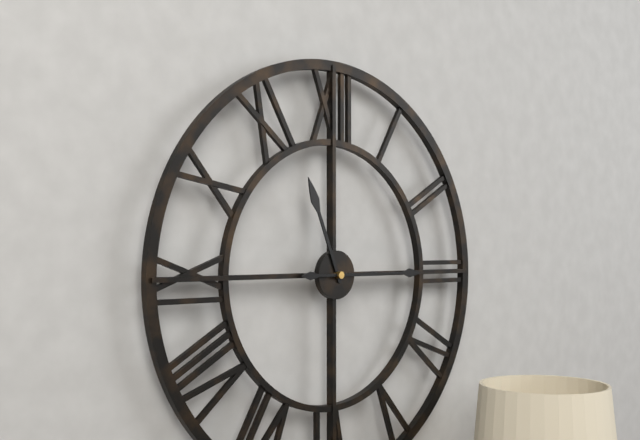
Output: 11h15
